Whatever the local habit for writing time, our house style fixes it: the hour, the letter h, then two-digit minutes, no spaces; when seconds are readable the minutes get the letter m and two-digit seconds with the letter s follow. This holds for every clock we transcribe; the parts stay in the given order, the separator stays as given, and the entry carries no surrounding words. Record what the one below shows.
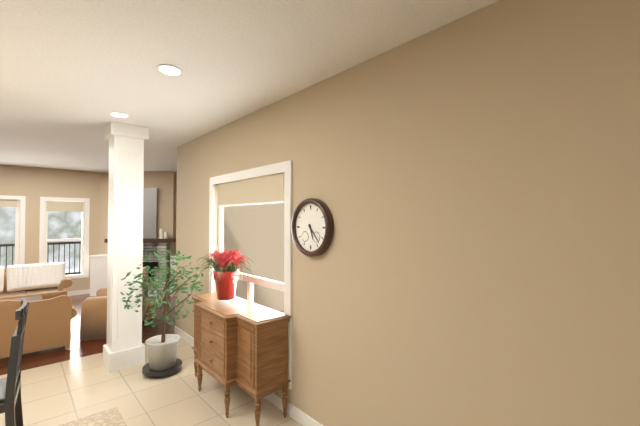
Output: 5h23
